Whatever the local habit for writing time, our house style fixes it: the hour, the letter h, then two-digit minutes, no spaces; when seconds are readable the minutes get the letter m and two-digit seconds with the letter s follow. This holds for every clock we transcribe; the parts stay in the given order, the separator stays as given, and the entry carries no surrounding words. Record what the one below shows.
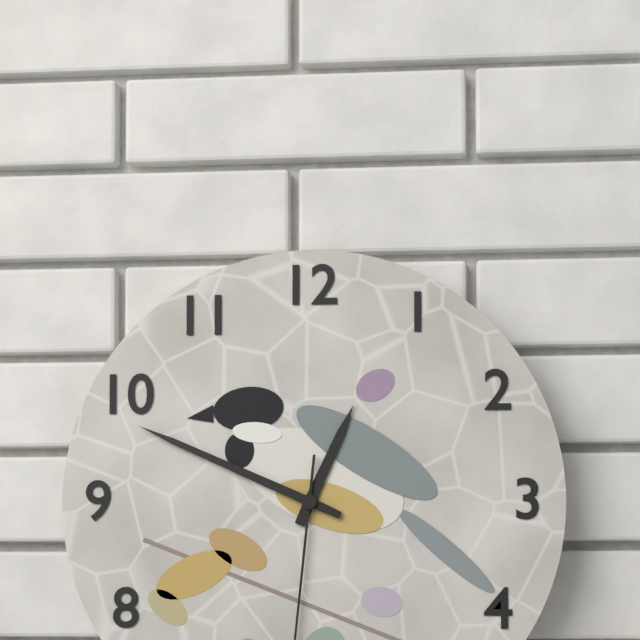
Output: 12h49
